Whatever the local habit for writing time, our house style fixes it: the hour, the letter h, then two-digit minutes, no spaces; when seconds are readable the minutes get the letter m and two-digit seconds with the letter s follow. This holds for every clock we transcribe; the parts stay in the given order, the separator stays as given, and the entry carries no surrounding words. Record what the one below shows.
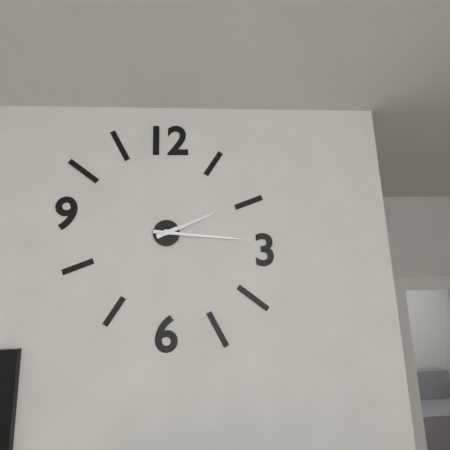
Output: 2h16
